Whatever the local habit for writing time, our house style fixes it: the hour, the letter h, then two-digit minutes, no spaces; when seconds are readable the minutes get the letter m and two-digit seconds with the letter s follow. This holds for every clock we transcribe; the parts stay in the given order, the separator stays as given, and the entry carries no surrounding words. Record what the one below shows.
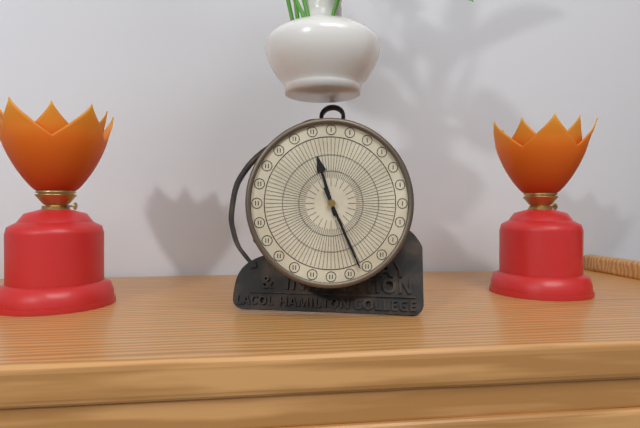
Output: 11h26
